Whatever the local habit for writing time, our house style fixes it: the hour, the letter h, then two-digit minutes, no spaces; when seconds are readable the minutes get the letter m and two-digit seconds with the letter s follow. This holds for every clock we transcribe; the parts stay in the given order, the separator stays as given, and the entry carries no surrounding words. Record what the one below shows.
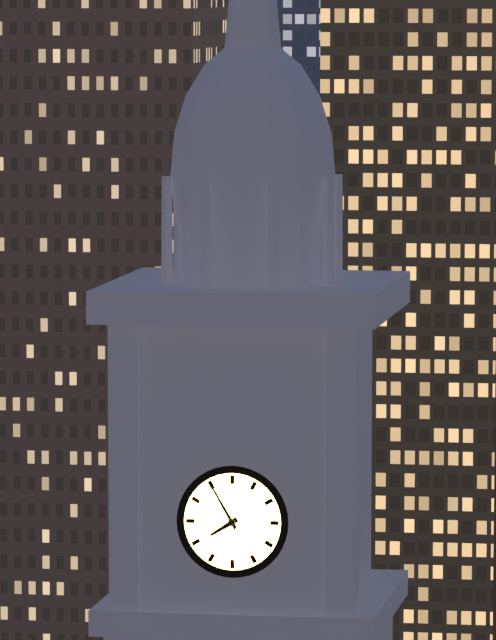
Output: 7h55
